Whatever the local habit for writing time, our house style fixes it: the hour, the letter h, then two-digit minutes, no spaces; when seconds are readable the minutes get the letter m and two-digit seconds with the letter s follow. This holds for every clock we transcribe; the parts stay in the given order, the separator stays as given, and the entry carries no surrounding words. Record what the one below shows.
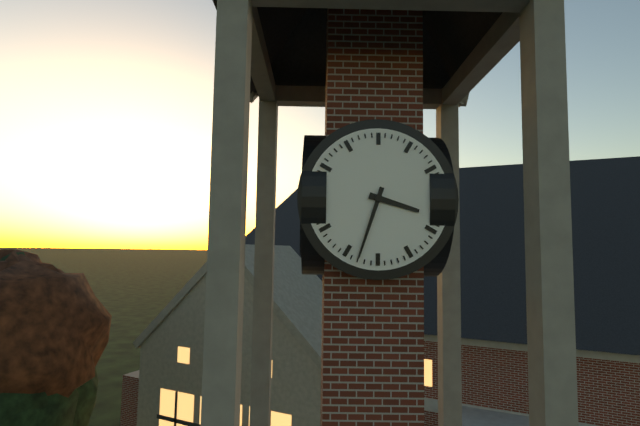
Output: 3h33
